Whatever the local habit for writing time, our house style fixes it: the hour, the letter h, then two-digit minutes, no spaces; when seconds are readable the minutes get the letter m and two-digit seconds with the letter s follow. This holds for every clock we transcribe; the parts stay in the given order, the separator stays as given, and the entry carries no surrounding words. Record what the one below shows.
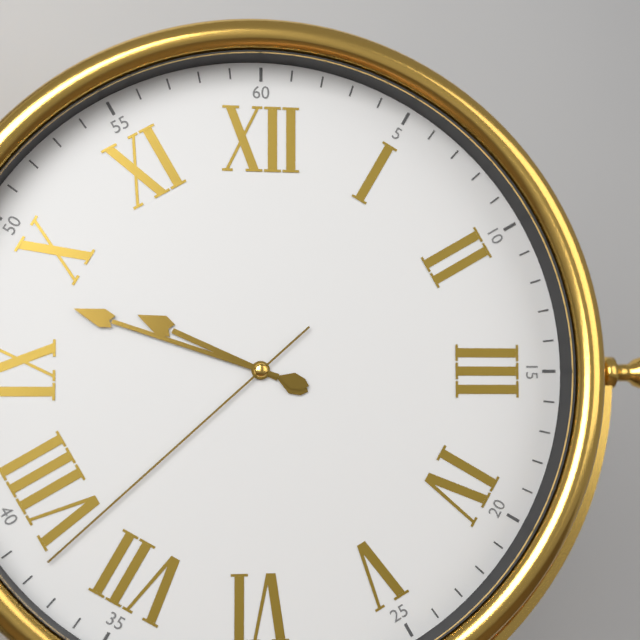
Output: 9h48m38s
